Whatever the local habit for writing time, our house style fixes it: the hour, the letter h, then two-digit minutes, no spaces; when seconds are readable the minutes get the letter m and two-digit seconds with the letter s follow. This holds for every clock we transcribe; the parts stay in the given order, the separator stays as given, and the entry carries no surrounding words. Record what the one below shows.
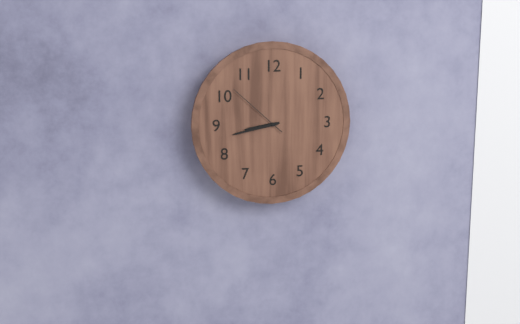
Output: 8h43m52s
